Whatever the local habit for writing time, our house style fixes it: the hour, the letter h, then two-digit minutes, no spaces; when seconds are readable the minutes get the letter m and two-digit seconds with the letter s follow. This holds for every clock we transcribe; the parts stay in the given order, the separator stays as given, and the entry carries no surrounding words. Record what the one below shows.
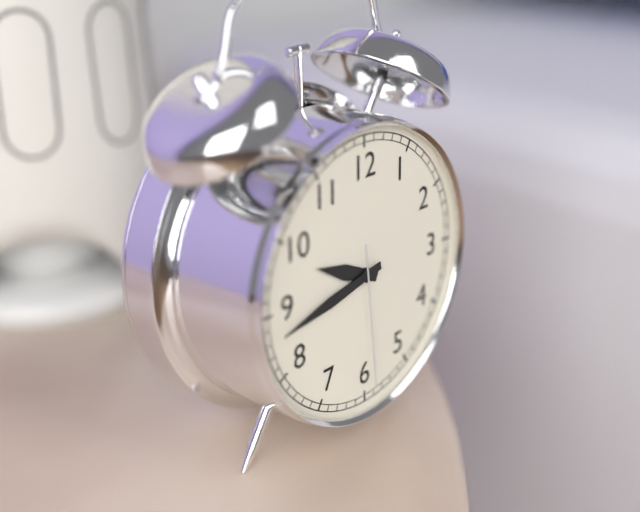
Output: 9h43m29s
